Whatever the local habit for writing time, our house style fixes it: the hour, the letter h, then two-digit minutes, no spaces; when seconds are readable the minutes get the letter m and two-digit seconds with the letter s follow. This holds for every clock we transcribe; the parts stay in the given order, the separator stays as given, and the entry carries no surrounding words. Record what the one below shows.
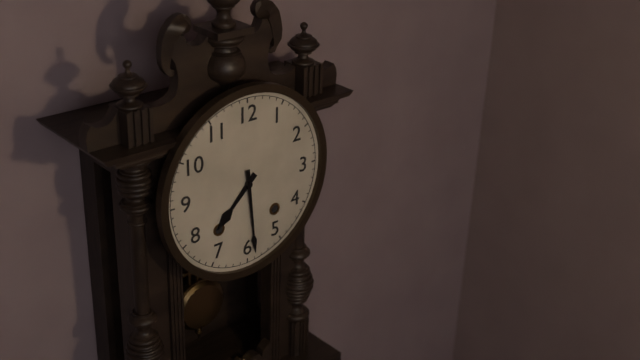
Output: 7h29
